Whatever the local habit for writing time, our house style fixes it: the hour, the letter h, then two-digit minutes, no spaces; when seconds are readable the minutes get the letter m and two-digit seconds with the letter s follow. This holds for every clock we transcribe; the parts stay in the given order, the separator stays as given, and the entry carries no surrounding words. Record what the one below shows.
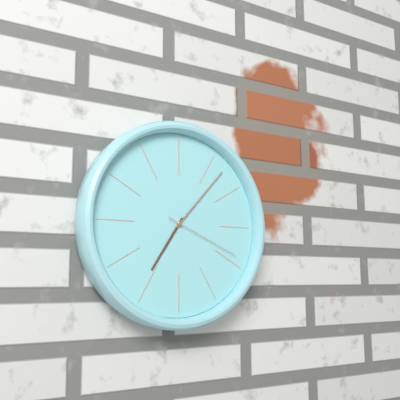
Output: 7h07m19s
